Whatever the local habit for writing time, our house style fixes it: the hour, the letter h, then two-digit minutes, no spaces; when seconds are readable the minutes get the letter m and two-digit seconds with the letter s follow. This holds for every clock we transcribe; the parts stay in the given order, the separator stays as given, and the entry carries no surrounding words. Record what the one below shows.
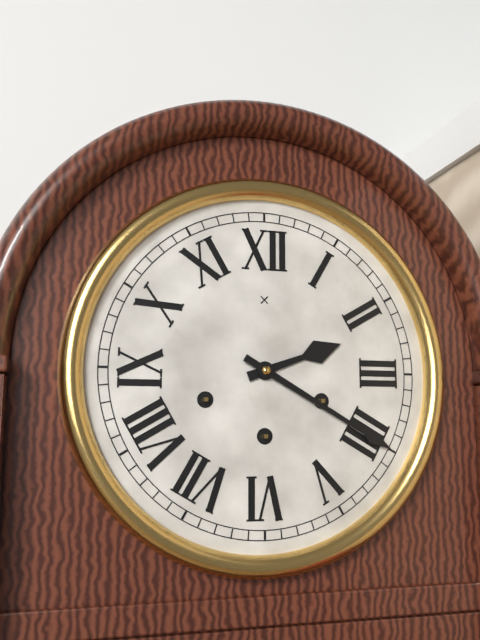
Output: 2h20
